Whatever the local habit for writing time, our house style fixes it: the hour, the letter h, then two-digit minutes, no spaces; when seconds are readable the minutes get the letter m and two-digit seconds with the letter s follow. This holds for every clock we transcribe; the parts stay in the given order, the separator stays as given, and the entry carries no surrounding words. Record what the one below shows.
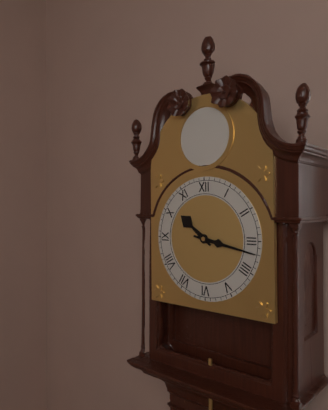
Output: 10h17
